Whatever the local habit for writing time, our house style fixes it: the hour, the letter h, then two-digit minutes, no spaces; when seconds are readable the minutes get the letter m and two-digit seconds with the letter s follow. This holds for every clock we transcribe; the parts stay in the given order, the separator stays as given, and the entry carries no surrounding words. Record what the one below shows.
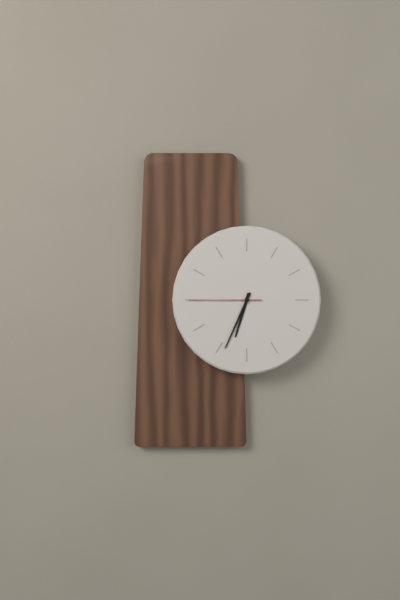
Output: 6h34m45s
